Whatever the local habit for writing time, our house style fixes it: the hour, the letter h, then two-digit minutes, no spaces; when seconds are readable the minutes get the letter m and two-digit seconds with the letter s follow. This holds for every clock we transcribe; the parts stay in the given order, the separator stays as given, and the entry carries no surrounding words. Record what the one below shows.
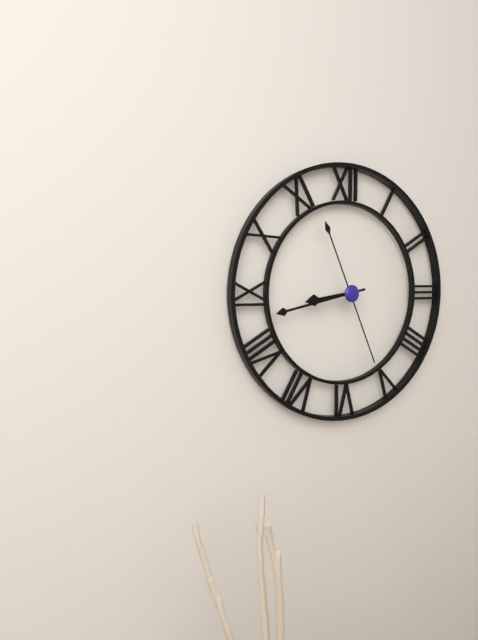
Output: 8h43m26s
